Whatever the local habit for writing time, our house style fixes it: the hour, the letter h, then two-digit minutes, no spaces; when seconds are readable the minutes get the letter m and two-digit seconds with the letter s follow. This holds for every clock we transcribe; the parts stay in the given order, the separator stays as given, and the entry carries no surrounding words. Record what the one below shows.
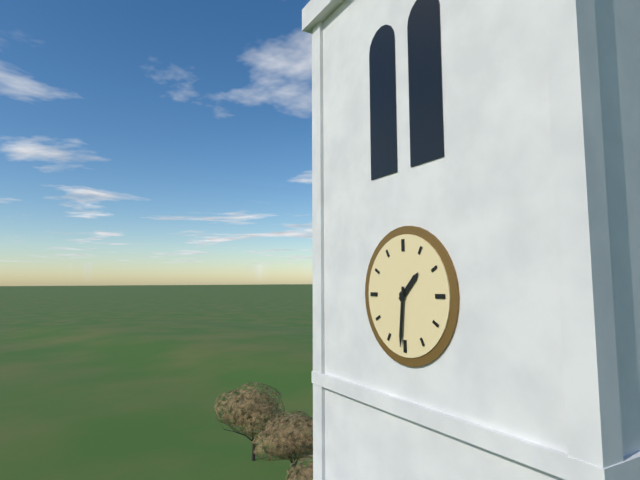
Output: 1h31
